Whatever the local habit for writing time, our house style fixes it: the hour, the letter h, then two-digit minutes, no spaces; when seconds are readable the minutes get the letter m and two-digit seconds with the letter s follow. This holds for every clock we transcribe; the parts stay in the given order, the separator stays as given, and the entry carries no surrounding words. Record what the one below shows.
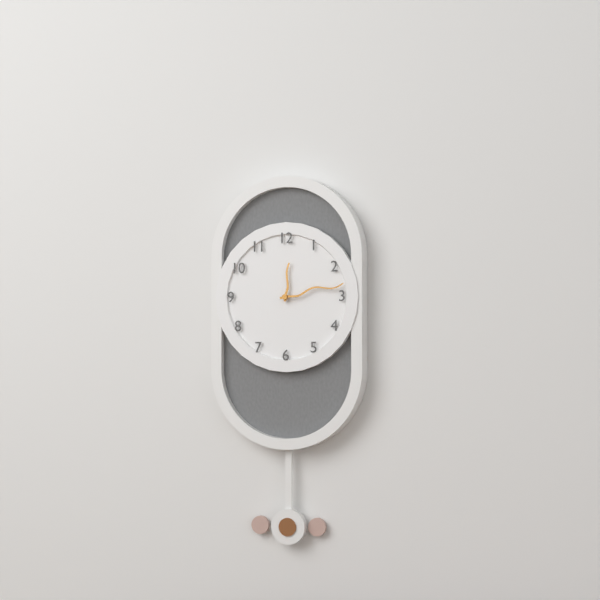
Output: 12h13
